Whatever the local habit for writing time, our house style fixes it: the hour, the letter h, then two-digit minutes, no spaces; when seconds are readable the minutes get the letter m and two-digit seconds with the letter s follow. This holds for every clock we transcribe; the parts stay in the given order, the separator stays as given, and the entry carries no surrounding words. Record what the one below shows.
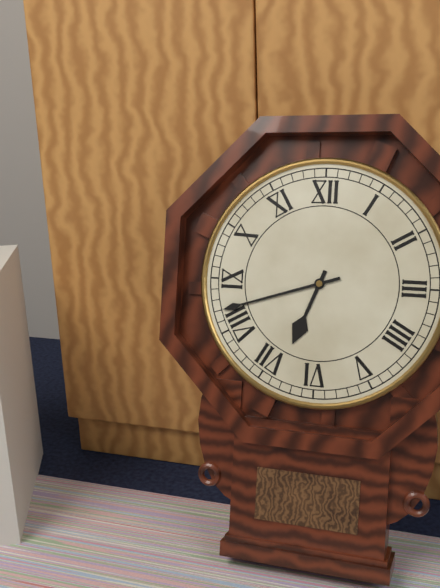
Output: 6h42
